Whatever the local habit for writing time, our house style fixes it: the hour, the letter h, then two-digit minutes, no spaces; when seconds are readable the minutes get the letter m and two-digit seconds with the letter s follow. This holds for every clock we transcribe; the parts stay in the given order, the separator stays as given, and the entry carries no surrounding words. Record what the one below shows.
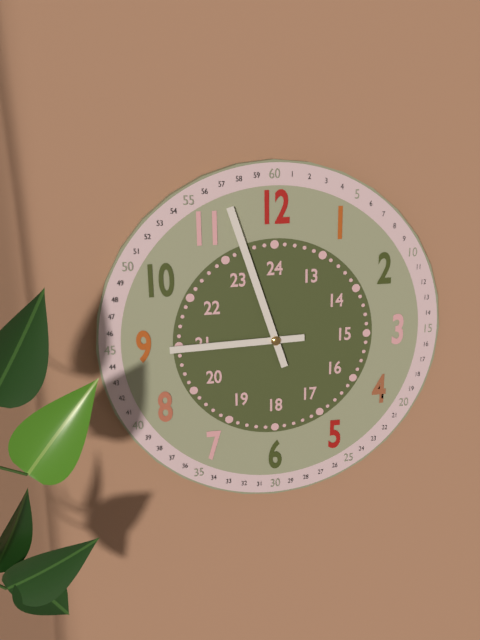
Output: 8h57
